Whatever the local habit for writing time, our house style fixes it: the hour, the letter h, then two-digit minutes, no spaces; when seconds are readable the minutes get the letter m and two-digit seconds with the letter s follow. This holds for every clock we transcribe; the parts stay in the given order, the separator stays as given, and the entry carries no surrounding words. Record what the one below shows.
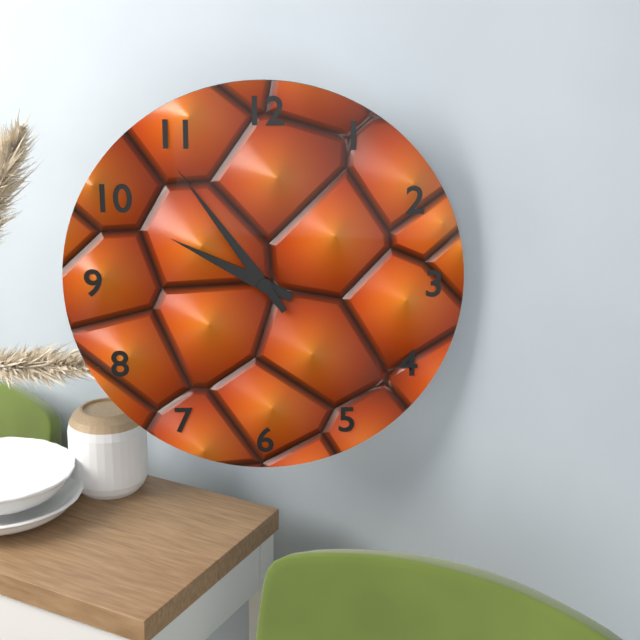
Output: 9h54
